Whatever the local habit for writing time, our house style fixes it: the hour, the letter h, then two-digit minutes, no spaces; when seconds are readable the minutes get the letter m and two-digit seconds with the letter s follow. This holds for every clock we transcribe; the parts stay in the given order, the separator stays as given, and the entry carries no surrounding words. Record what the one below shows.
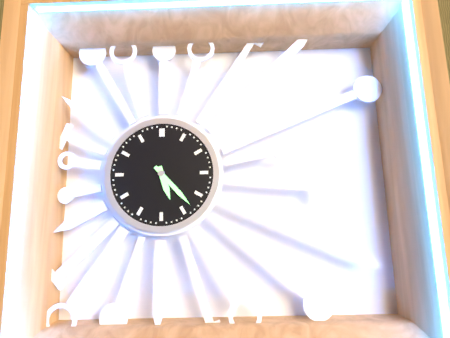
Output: 5h23
